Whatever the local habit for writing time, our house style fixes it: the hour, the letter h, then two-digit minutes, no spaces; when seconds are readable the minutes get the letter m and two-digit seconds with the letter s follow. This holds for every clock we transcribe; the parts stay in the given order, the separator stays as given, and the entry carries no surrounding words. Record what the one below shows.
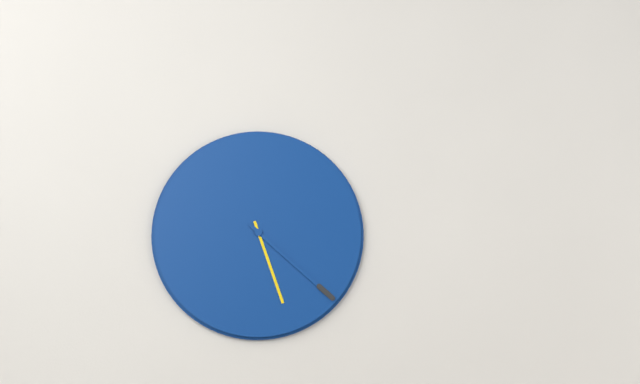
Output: 5h22
